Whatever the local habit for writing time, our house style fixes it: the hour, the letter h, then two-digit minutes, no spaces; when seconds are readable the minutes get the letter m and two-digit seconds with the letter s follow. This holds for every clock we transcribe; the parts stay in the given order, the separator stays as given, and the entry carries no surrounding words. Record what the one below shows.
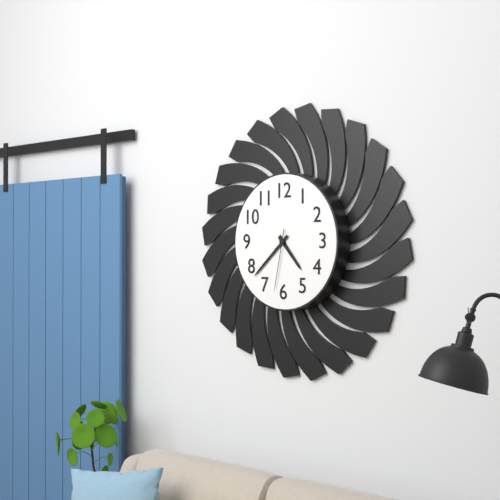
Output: 4h38m32s
